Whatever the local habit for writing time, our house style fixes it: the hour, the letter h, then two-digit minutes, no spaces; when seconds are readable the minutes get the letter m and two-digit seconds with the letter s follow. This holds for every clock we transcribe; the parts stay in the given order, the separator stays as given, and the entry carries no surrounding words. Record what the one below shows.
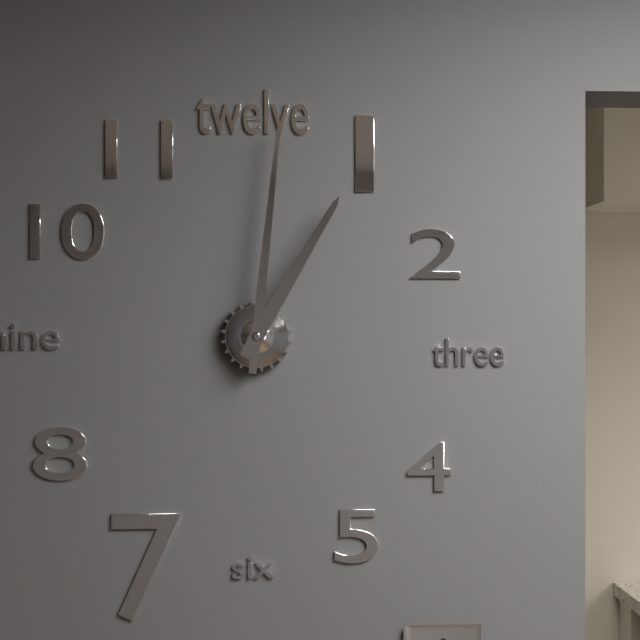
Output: 1h01
